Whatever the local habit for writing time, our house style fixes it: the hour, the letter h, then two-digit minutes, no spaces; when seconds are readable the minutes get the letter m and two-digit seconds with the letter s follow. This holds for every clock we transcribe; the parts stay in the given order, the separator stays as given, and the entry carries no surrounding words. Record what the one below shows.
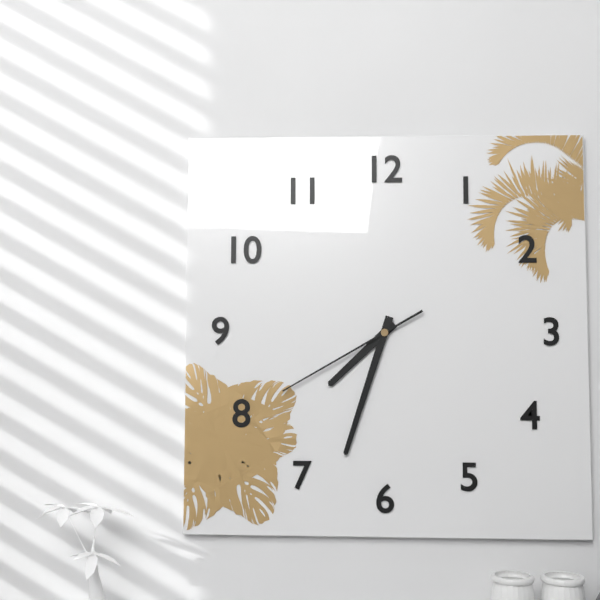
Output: 7h33m40s
